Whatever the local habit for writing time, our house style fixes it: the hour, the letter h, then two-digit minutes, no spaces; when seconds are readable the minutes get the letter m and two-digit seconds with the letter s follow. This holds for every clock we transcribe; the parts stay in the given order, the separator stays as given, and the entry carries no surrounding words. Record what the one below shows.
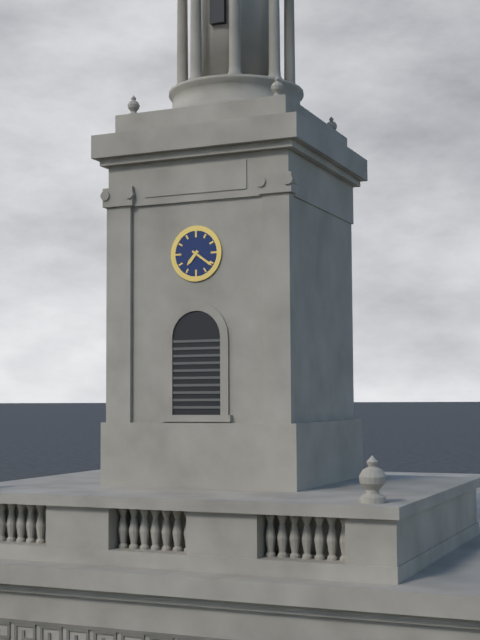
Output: 7h21
